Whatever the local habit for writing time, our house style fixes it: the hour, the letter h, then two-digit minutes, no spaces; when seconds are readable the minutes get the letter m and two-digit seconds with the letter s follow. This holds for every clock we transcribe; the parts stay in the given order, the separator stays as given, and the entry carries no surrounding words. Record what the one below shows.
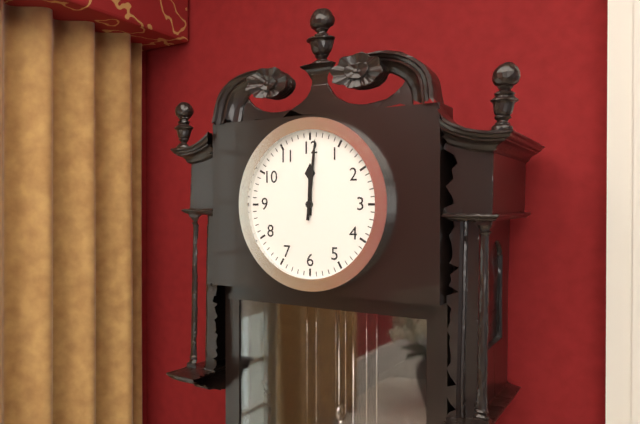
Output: 12h01
